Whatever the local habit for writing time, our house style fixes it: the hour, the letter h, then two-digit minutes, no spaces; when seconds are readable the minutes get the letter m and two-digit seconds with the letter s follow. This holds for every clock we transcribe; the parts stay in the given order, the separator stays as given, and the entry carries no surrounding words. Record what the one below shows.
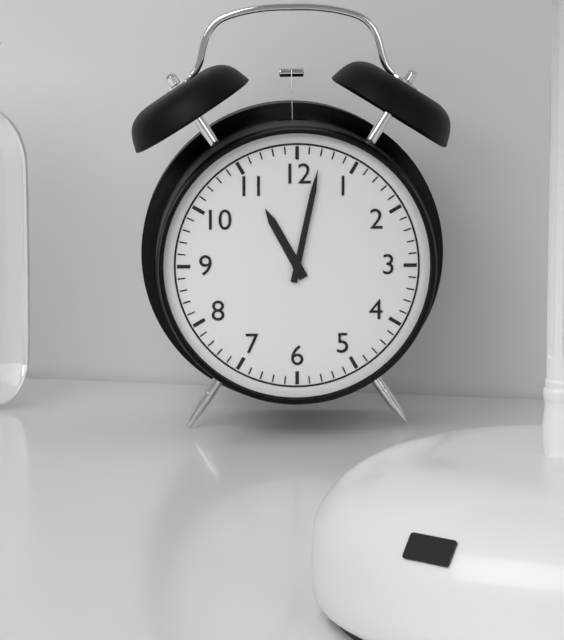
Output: 11h02
